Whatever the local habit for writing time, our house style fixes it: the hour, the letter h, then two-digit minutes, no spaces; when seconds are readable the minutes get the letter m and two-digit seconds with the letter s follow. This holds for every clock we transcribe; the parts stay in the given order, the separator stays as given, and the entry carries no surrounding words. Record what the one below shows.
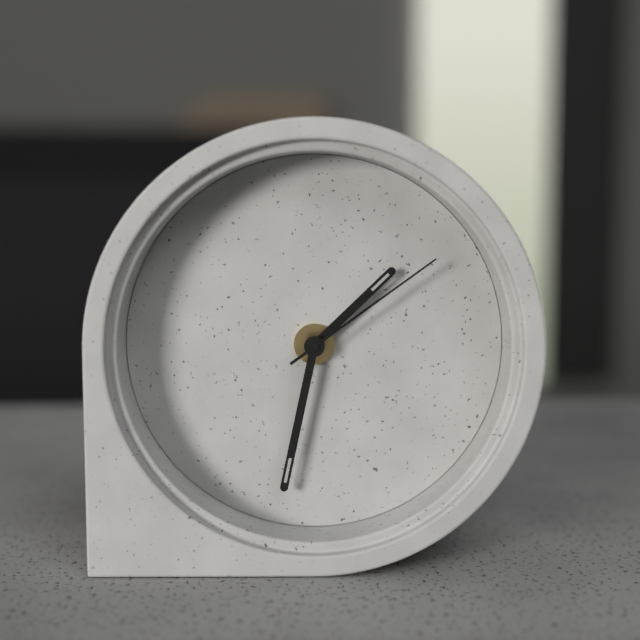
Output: 1h32m09s
